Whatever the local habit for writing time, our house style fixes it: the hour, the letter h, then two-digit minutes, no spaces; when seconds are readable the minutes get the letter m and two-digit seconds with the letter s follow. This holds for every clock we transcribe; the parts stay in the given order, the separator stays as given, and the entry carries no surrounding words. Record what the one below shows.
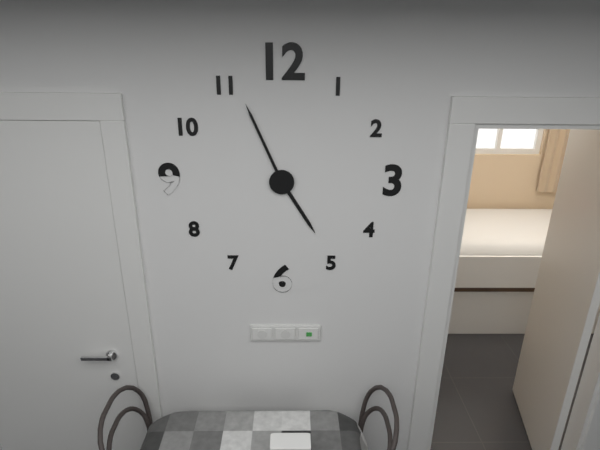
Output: 4h56
